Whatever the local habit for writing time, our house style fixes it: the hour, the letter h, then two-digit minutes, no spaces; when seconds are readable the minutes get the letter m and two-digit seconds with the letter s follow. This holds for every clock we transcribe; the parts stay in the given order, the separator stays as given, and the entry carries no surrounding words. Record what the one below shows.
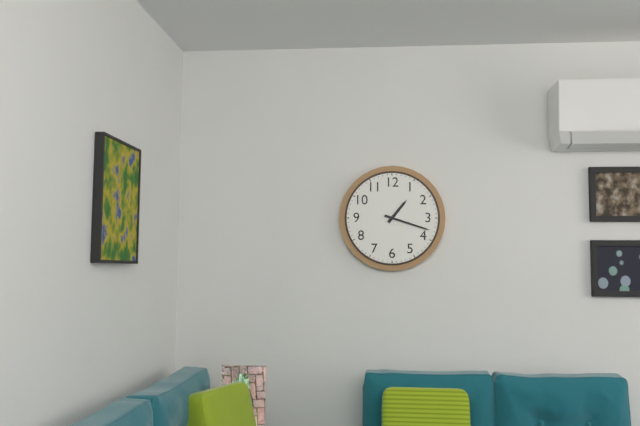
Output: 1h18
